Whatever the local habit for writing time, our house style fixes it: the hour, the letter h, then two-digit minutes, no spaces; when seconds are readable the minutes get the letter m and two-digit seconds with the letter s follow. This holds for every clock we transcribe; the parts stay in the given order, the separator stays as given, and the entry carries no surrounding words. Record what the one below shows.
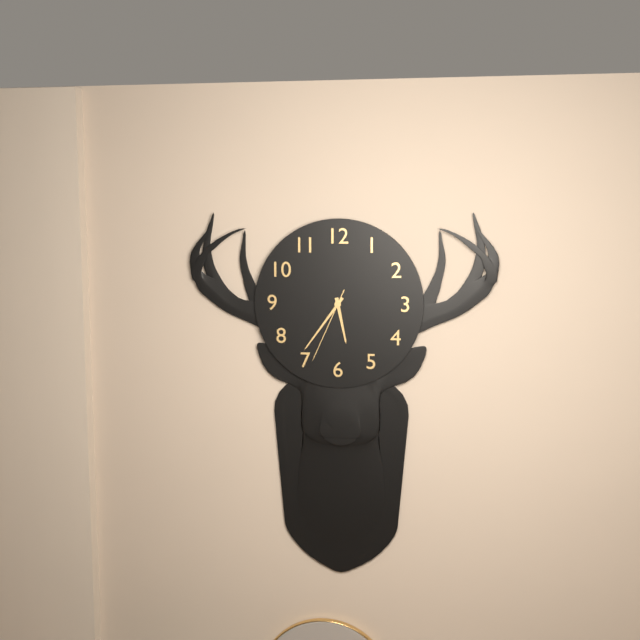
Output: 5h36m34s
